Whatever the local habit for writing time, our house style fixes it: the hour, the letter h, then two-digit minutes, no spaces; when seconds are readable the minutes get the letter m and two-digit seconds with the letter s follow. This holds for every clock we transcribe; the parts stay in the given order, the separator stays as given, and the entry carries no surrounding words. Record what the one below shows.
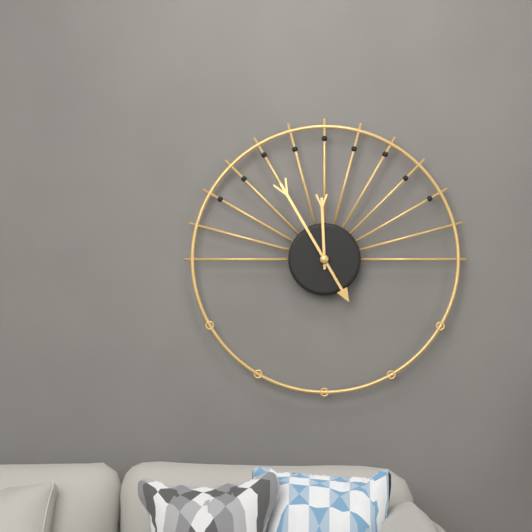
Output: 11h55
